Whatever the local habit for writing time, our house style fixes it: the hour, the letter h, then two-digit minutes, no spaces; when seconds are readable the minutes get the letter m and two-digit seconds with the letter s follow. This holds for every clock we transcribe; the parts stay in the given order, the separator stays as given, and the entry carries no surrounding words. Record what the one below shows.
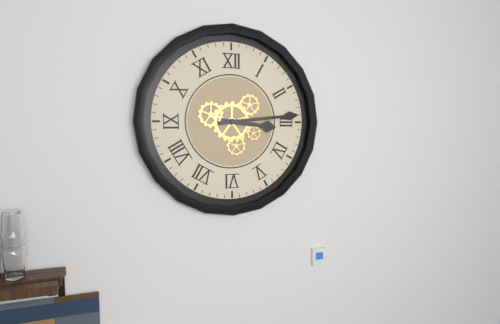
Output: 3h14
